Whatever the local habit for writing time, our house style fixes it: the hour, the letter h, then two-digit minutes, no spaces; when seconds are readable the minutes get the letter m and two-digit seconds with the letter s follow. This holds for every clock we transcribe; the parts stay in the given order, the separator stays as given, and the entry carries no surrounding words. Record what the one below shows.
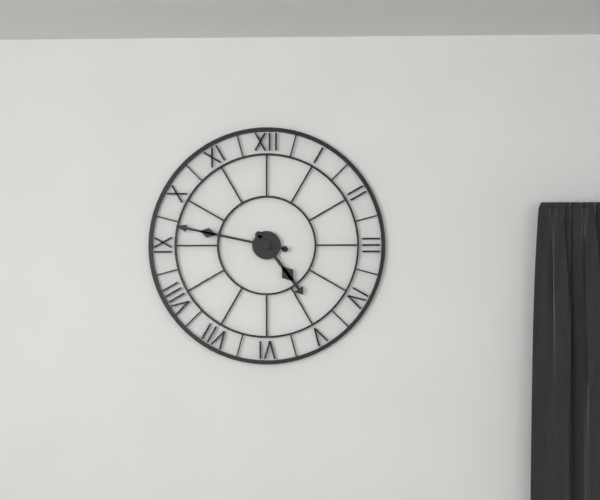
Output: 4h47
